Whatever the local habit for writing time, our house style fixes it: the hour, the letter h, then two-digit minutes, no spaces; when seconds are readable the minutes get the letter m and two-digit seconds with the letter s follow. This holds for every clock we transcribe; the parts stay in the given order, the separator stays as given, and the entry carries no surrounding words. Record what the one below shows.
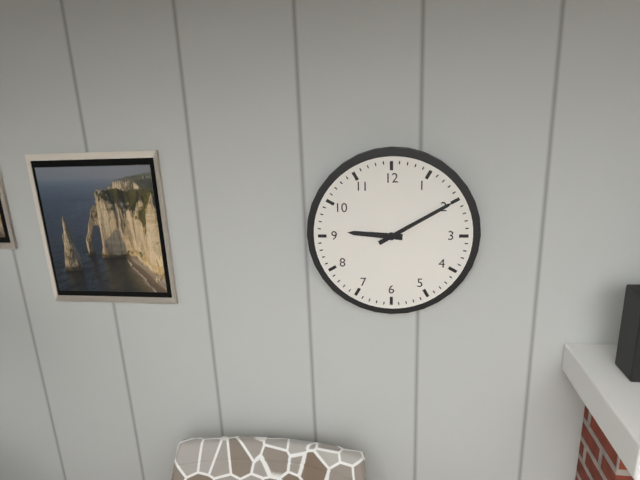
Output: 9h10
